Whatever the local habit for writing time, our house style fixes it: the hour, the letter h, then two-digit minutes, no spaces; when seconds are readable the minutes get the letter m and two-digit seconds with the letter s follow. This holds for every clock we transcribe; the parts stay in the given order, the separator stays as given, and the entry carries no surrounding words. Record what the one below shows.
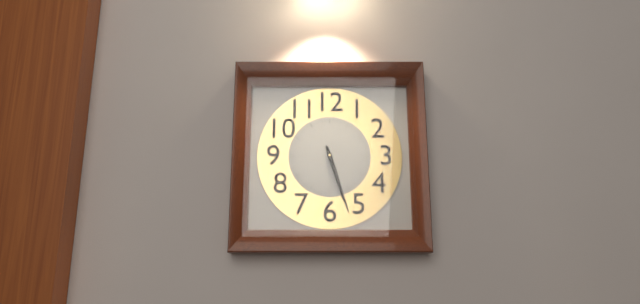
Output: 5h27
